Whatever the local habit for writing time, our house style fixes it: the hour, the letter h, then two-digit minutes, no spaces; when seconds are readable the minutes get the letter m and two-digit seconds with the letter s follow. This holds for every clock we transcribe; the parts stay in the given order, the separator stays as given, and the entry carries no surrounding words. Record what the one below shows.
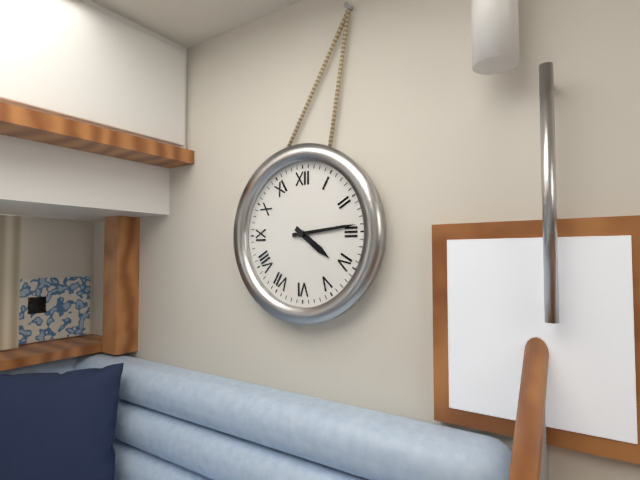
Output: 4h14
